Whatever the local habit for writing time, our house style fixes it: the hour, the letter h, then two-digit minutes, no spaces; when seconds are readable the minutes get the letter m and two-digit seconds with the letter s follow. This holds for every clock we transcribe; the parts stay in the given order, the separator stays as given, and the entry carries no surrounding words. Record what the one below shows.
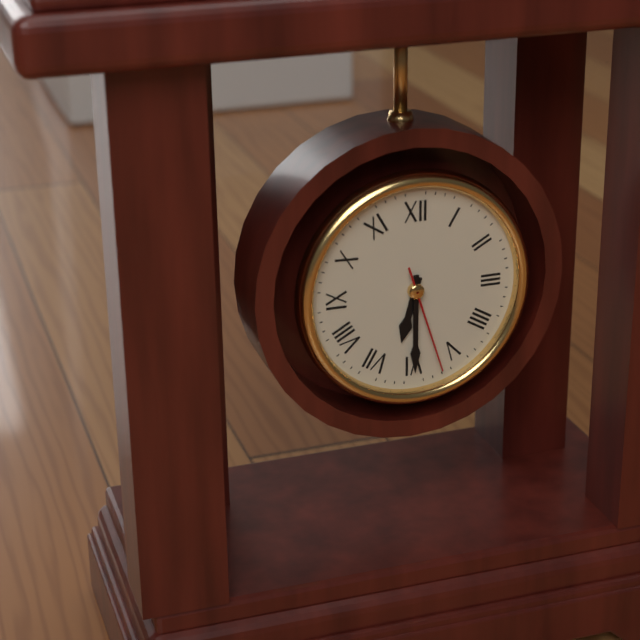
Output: 6h30m27s
